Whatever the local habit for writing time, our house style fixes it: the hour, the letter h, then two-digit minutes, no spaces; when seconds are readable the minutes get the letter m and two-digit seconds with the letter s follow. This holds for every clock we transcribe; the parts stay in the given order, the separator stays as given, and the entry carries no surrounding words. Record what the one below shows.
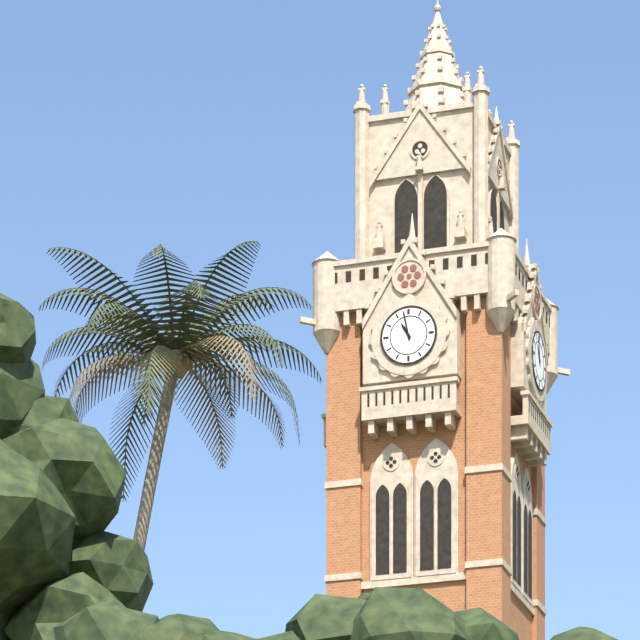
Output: 10h58
